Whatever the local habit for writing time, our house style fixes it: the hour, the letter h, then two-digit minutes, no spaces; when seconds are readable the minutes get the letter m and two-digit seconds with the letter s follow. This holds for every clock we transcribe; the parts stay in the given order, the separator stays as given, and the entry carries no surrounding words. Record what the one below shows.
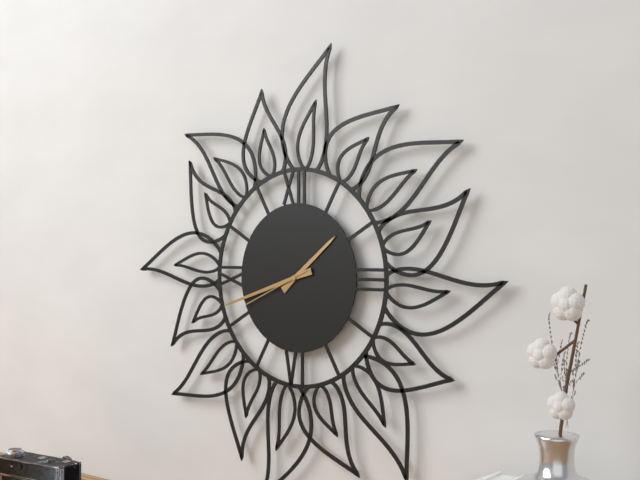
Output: 1h42m41s
